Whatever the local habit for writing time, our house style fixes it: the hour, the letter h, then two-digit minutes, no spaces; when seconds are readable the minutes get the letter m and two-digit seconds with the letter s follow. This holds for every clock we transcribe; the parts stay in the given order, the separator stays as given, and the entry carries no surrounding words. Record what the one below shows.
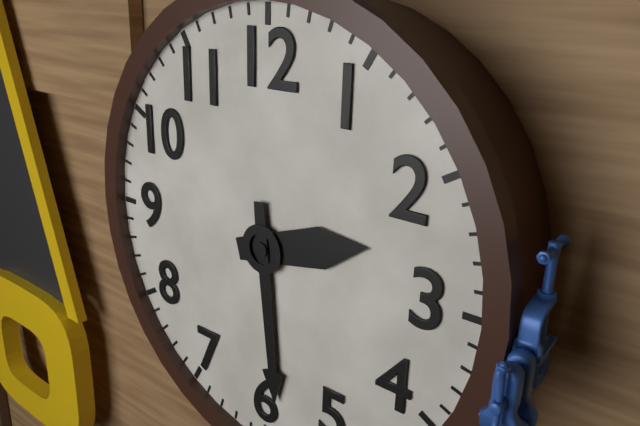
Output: 2h29
